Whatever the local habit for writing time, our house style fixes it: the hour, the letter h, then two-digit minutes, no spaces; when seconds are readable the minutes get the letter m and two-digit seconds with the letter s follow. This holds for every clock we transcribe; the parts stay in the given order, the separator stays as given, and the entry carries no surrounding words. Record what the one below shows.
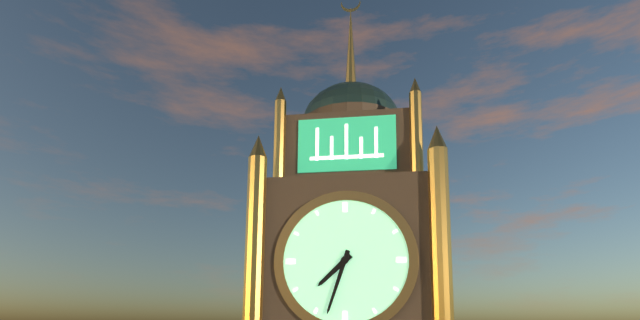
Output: 7h33
